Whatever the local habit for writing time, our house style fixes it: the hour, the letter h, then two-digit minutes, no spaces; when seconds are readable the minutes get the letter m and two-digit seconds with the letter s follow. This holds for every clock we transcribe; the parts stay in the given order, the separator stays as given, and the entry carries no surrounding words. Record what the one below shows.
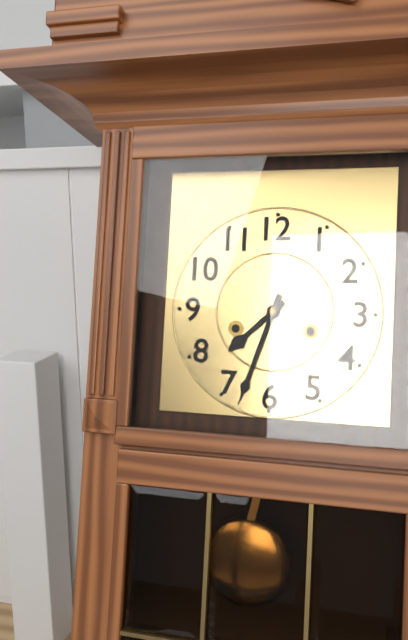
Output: 7h33
